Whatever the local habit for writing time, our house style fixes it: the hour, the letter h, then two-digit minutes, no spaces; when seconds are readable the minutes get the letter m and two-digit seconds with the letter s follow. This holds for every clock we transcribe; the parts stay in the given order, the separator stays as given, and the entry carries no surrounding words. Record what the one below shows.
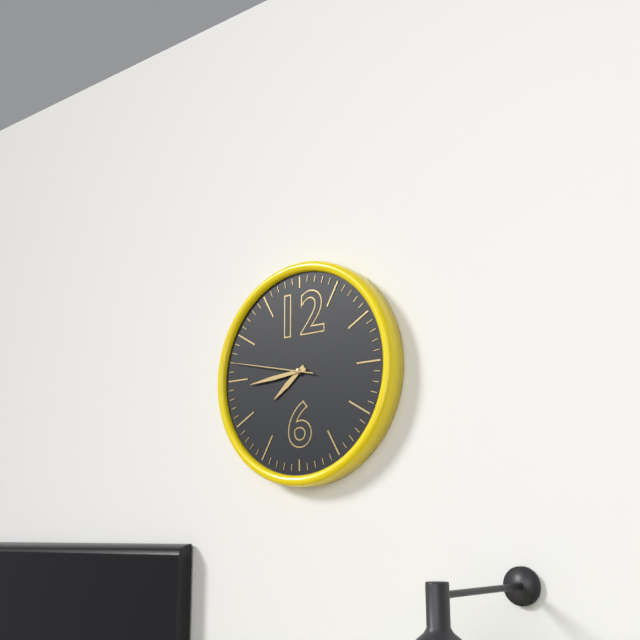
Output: 7h44m47s
